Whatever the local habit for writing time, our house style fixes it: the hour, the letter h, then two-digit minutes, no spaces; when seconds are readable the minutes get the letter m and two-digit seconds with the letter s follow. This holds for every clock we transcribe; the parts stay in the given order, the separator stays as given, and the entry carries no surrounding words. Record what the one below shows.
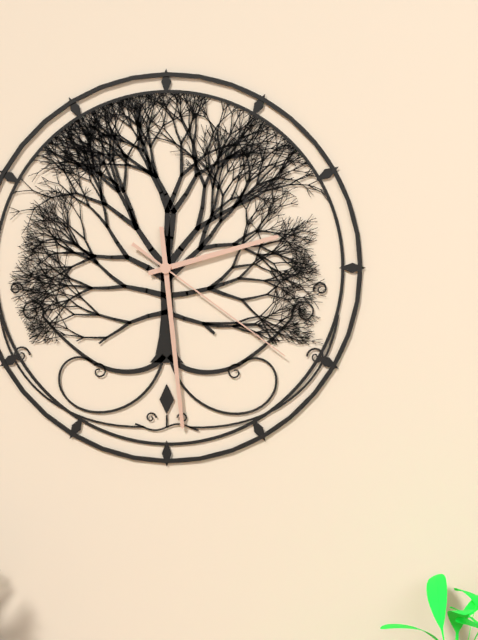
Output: 2h29m21s
